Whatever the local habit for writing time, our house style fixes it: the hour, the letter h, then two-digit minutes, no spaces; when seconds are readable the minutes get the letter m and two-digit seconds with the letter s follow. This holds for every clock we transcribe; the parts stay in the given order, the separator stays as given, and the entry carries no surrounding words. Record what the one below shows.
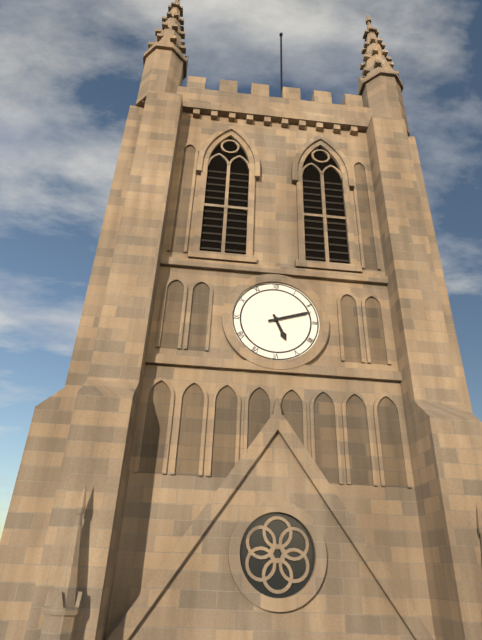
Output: 5h12
